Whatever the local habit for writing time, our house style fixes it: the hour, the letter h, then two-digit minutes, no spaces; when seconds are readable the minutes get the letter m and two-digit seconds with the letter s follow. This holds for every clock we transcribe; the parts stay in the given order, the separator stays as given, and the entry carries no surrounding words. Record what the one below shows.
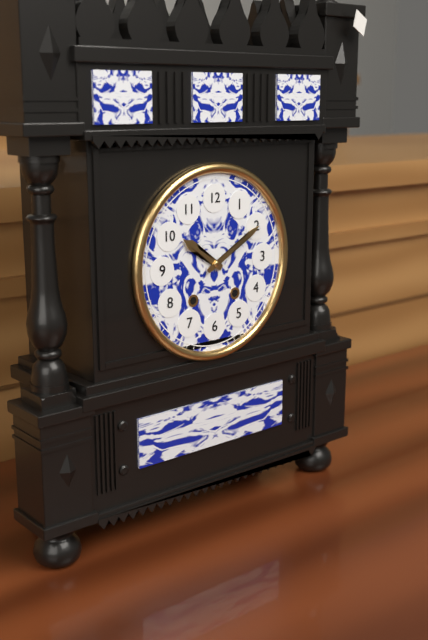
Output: 10h10
